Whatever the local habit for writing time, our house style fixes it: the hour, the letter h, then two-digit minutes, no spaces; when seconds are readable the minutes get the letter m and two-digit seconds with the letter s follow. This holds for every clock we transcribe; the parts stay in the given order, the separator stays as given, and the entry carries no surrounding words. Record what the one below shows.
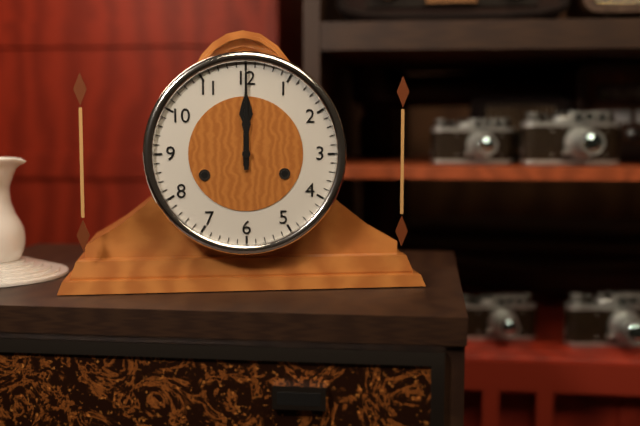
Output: 12h00
